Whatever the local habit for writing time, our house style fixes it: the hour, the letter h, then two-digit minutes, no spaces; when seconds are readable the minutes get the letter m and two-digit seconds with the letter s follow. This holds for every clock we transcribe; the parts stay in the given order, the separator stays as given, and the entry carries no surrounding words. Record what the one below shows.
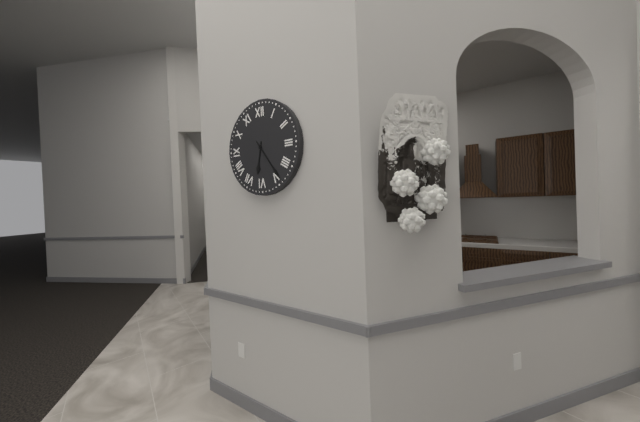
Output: 6h24
